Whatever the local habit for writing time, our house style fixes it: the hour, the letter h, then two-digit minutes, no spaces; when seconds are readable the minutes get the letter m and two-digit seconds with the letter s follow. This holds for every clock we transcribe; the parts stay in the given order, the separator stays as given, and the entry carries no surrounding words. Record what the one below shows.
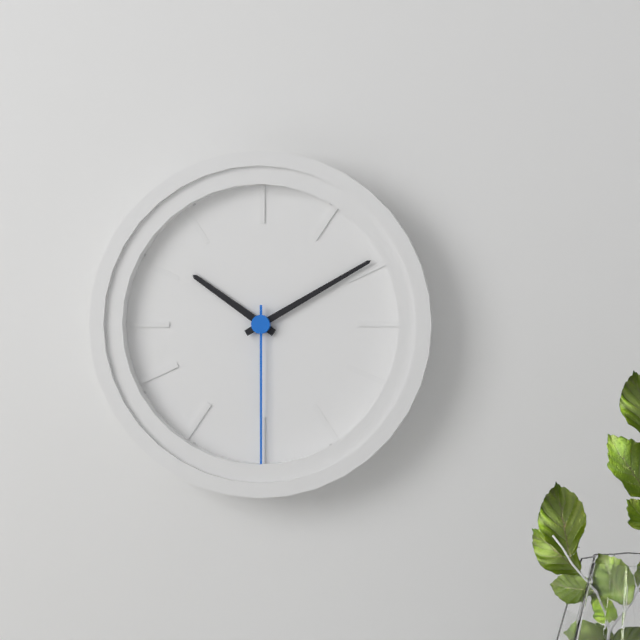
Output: 10h10m30s
